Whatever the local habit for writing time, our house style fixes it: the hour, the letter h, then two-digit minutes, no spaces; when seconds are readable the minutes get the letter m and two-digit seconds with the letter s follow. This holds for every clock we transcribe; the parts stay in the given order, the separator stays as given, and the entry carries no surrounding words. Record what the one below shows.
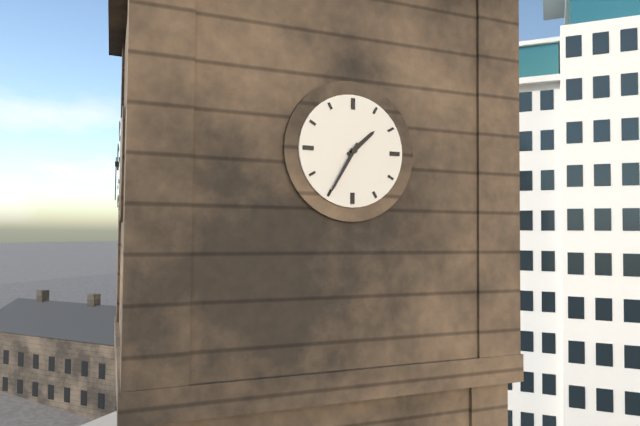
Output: 1h35
